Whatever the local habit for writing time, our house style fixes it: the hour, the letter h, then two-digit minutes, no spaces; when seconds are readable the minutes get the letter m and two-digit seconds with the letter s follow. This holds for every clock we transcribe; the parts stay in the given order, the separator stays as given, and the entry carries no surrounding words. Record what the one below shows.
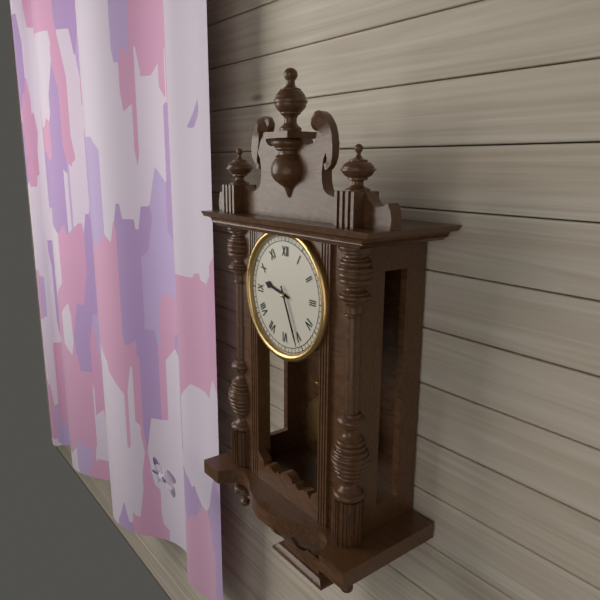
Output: 9h26
